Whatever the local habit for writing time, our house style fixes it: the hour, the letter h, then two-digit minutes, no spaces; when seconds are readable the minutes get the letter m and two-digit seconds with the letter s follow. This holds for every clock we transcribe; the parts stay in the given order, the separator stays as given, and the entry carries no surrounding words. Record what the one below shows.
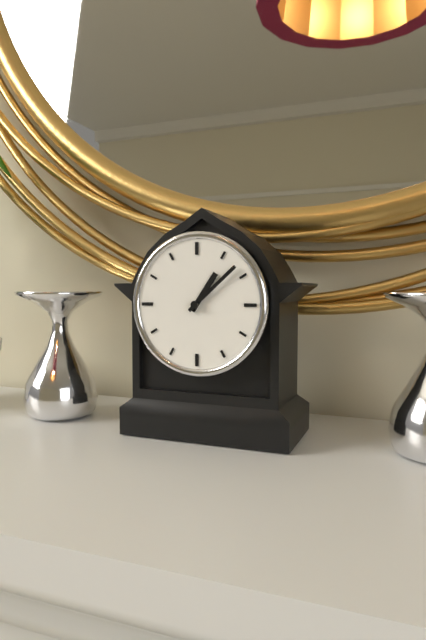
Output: 1h08
